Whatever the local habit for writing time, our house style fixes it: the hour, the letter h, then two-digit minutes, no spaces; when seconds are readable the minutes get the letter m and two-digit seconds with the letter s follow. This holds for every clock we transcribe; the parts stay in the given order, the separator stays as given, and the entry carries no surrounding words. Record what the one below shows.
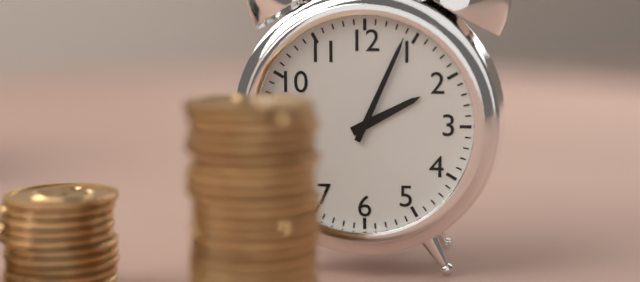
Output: 2h04
